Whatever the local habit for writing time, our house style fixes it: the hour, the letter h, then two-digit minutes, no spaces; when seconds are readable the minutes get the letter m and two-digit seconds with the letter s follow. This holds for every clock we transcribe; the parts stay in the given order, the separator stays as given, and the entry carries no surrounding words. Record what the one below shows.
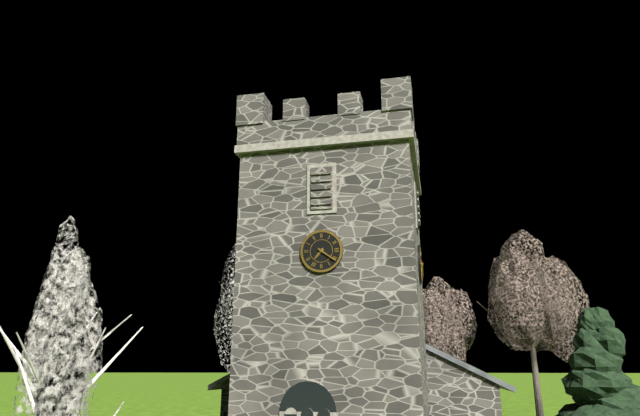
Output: 7h21
